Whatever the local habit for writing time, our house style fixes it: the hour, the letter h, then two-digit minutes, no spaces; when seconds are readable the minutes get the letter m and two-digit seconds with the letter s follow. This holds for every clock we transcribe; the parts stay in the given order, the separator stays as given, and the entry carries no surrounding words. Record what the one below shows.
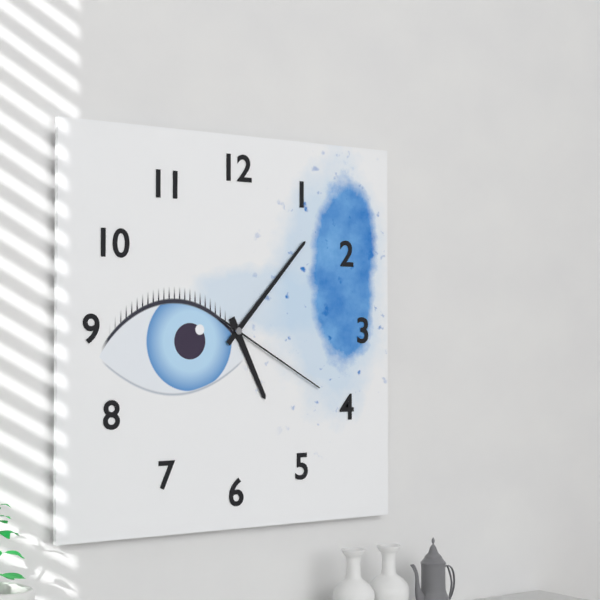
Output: 5h07m20s
